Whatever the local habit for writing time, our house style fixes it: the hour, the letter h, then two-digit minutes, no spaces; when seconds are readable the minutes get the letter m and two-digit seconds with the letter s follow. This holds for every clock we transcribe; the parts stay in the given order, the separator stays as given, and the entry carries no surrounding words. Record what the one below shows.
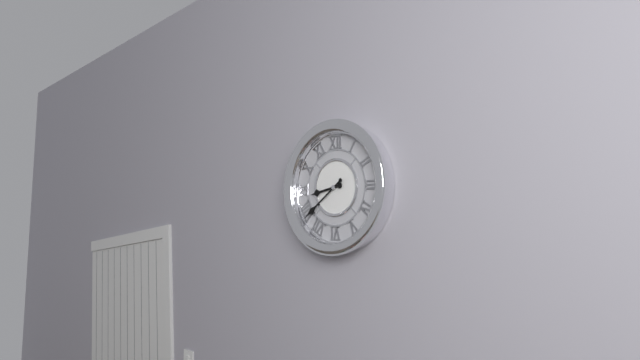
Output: 8h39
